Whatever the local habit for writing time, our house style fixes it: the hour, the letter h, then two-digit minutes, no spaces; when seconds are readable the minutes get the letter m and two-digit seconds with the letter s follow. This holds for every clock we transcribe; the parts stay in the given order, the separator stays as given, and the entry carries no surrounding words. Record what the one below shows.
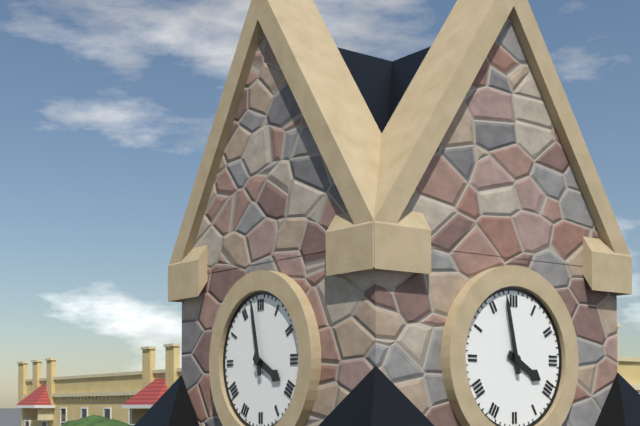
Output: 3h58
